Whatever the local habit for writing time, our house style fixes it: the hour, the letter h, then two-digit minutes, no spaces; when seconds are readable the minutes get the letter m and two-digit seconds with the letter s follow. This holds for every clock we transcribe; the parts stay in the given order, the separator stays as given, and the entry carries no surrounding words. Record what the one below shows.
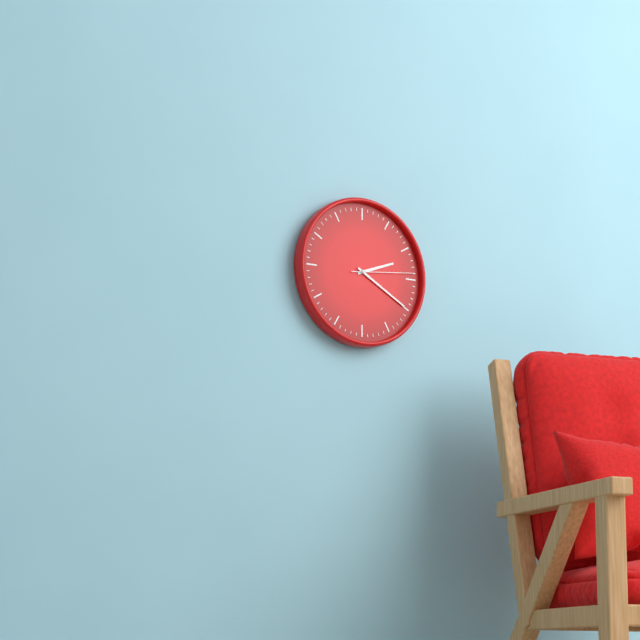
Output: 2h20m14s
